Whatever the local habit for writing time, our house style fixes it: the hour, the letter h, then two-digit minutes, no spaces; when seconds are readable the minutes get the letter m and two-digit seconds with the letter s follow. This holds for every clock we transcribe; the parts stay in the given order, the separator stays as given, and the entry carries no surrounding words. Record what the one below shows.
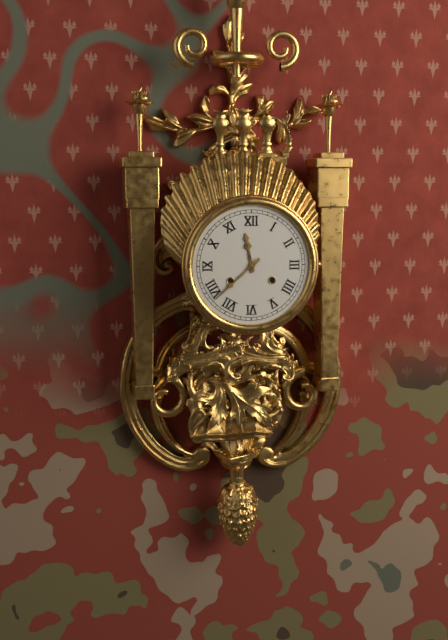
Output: 11h38
